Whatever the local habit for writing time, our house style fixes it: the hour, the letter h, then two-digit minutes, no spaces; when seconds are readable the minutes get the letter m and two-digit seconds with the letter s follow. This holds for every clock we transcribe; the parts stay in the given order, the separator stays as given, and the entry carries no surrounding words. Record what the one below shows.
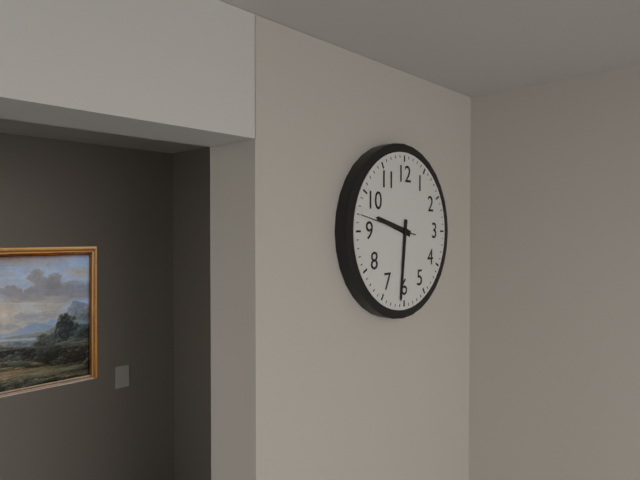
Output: 9h31m47s
